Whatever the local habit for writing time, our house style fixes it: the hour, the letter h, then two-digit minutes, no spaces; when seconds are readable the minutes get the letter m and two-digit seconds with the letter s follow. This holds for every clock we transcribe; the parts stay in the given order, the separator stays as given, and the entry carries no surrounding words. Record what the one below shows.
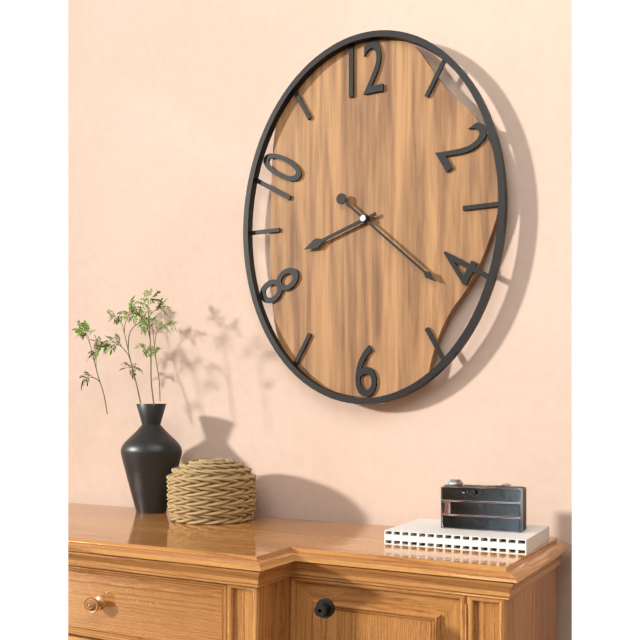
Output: 8h22
